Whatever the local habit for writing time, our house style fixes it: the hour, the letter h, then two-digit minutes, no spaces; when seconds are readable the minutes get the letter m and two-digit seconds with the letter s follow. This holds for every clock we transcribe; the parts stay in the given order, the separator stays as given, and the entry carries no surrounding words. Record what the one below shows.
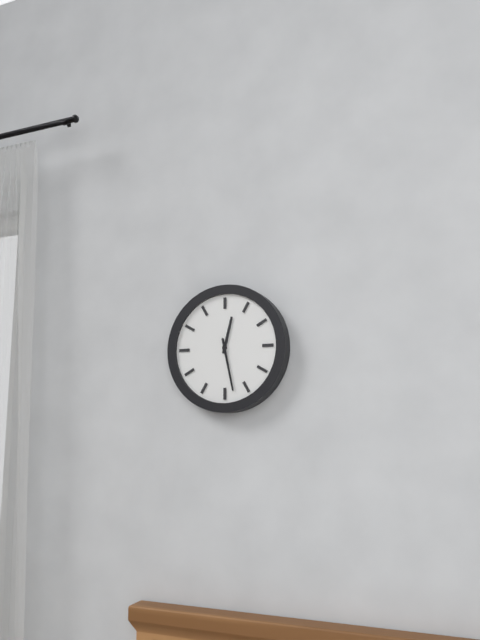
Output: 12h28m28s
